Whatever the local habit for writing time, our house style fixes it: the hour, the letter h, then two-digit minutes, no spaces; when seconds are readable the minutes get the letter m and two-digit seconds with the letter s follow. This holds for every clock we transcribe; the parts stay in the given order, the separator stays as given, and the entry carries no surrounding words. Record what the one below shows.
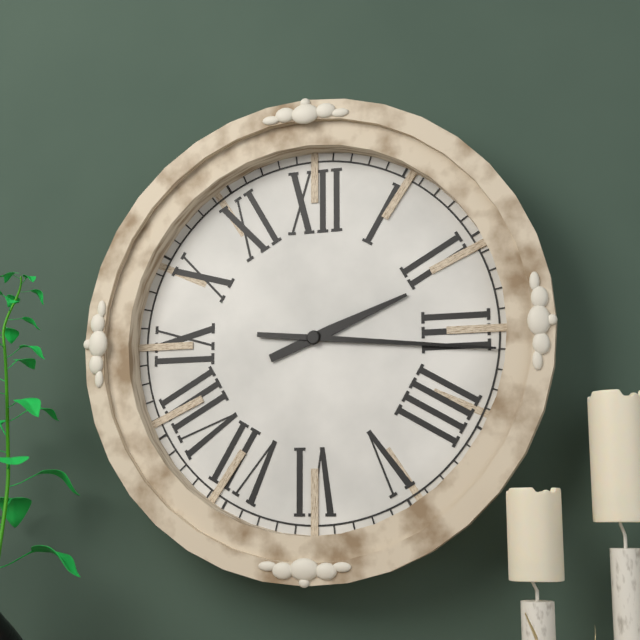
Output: 2h16
